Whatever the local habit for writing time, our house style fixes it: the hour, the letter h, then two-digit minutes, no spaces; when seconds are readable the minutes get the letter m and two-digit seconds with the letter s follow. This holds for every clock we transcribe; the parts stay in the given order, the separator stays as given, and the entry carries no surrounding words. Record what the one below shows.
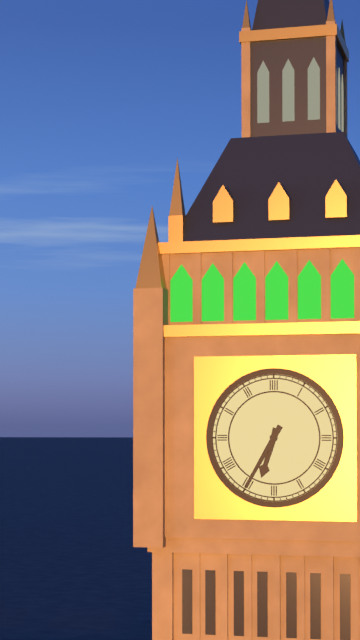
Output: 6h35
